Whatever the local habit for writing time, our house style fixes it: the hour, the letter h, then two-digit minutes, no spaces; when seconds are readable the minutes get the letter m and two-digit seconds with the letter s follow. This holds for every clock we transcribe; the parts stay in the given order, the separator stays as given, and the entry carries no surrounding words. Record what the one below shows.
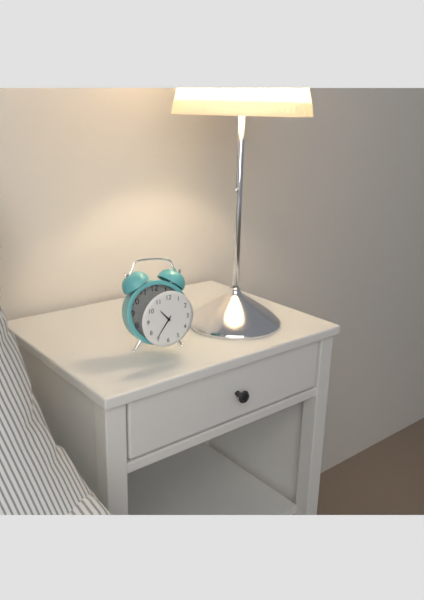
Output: 10h36
